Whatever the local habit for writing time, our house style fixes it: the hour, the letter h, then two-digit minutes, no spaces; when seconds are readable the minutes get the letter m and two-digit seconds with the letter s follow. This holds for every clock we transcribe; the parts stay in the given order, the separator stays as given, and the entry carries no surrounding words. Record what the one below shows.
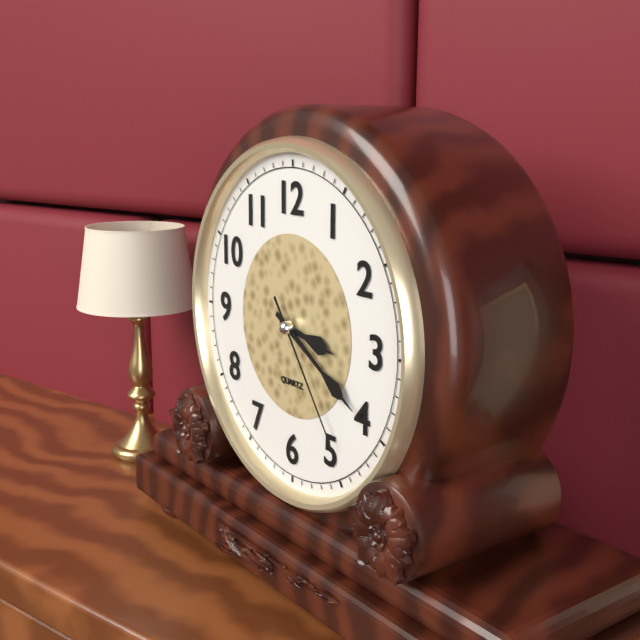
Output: 3h20m24s
